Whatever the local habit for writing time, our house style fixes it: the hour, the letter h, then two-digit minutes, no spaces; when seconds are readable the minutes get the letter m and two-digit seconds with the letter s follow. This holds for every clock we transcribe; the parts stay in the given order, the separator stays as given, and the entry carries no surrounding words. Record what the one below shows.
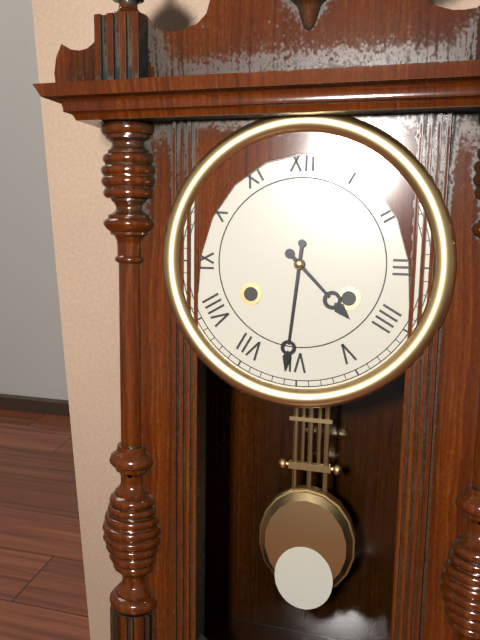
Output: 4h31
